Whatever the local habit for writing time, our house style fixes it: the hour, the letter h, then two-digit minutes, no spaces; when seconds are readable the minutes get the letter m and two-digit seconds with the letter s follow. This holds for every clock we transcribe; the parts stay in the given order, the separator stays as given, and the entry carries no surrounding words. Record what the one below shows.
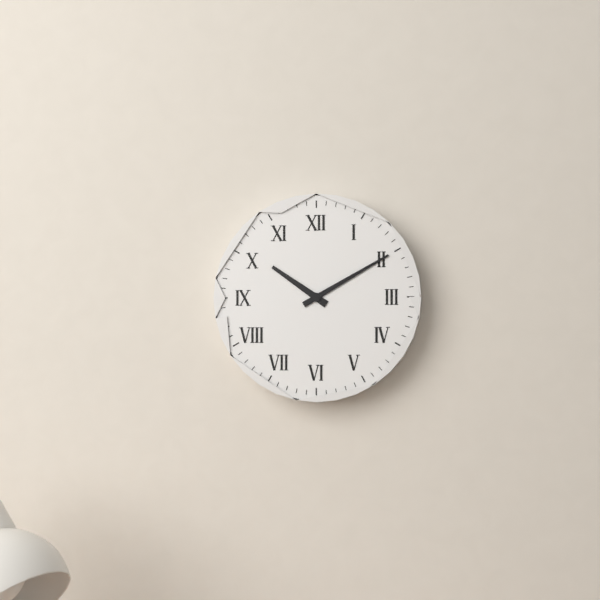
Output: 10h10
